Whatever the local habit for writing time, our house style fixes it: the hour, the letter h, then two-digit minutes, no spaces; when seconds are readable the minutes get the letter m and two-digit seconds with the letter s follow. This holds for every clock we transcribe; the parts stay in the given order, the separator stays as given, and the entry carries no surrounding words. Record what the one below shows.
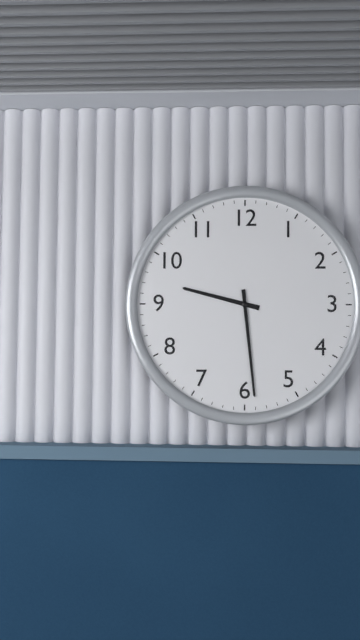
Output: 9h29
